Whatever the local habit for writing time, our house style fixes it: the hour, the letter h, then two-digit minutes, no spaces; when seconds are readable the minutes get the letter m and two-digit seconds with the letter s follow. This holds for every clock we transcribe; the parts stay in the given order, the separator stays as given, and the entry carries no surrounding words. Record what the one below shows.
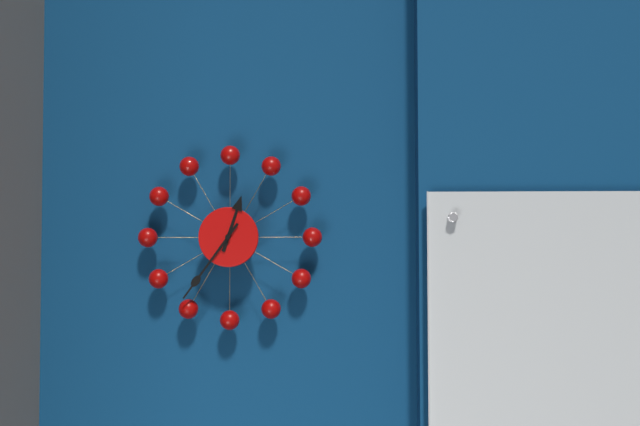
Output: 12h36
